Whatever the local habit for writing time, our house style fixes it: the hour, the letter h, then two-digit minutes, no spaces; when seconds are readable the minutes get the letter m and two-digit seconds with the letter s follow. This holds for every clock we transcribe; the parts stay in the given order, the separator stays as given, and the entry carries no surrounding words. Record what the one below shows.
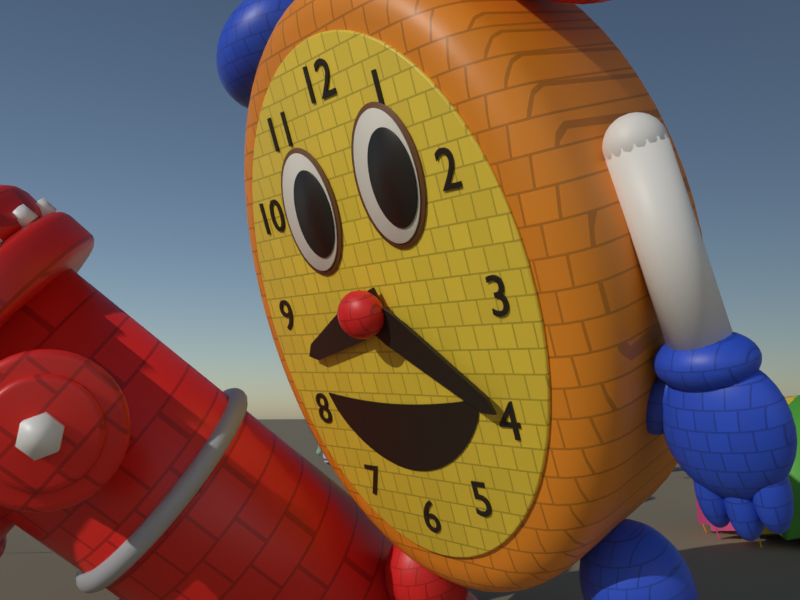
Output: 8h21
